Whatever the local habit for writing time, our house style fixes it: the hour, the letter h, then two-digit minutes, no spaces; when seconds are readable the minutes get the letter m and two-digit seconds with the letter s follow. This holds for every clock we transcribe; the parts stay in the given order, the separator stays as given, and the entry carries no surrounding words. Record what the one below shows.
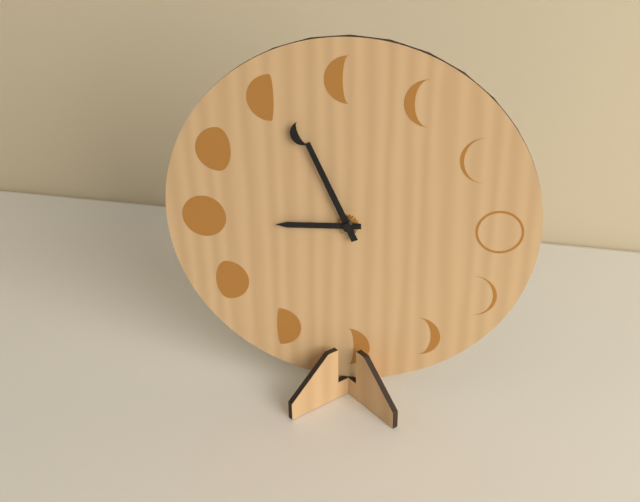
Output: 8h56
